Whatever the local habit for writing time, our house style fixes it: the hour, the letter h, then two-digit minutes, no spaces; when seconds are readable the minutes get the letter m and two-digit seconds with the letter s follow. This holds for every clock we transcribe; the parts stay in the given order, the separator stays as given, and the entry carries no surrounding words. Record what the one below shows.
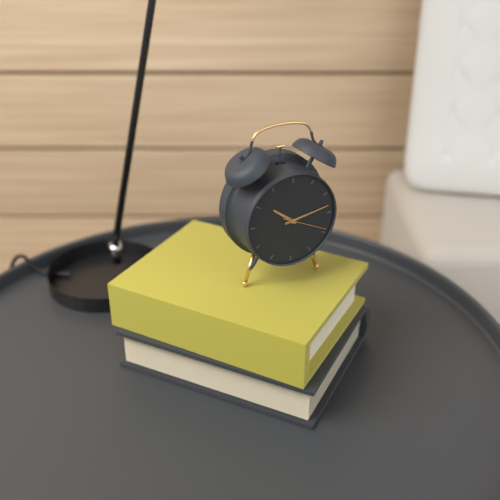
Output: 10h13m19s
